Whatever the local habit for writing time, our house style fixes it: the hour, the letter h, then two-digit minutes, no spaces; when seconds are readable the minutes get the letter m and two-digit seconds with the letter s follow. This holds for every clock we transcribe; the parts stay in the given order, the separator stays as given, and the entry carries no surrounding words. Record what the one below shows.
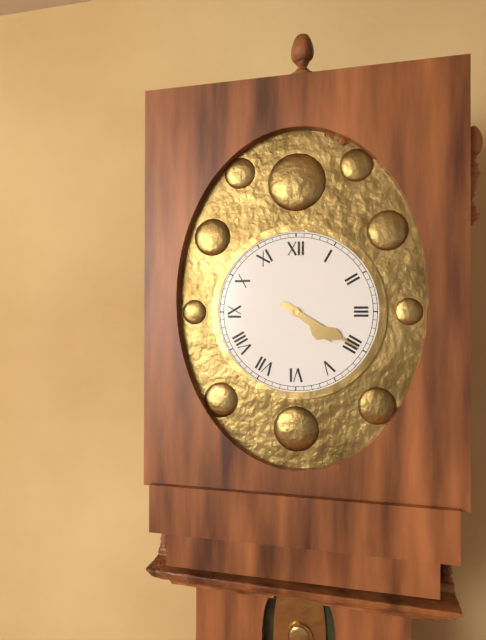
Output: 4h20
